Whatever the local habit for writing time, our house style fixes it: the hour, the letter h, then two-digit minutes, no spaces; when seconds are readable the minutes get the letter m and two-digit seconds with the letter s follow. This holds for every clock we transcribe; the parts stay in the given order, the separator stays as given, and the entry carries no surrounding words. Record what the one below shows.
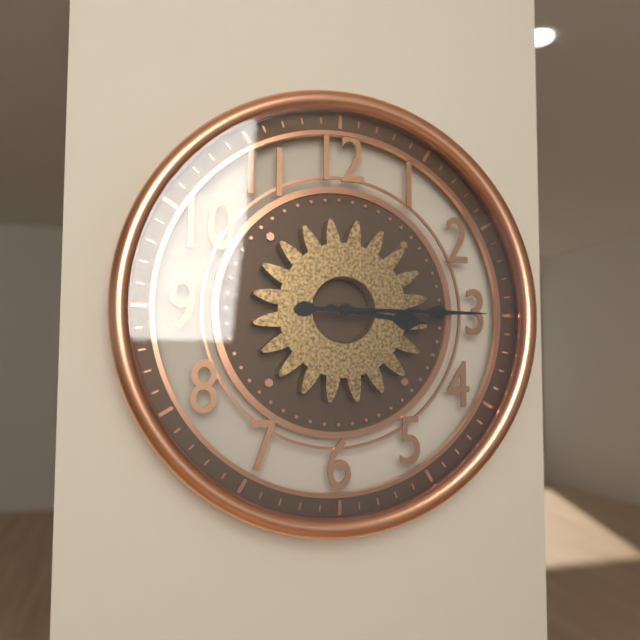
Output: 3h15
